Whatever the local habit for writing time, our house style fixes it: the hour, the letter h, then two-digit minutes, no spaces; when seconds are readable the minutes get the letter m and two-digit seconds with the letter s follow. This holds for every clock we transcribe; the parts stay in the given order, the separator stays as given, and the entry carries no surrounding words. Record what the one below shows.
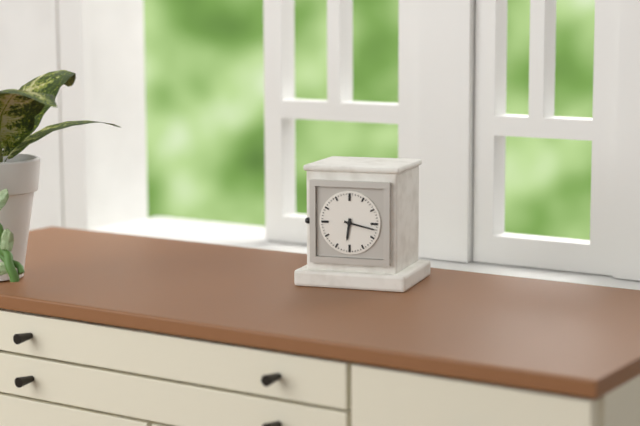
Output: 6h17
